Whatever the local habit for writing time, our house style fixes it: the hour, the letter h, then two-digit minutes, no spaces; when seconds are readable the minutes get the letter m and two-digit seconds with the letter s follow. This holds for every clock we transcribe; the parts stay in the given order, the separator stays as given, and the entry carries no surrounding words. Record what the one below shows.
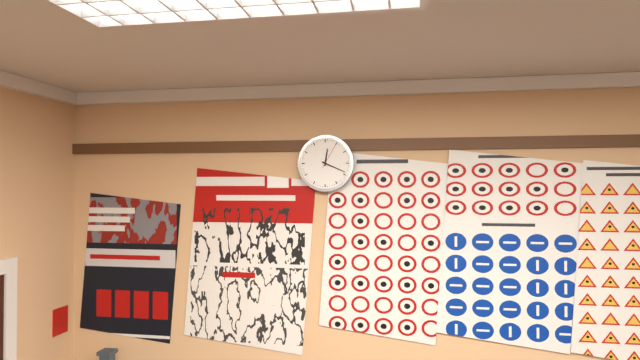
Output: 12h19
